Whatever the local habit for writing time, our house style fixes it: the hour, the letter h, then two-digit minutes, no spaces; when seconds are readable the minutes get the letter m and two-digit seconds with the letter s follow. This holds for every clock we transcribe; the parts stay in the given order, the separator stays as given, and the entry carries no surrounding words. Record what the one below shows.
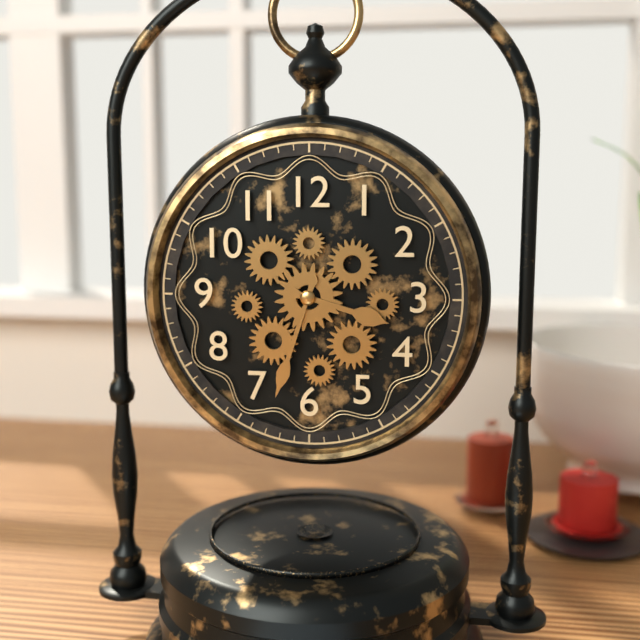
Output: 3h33
